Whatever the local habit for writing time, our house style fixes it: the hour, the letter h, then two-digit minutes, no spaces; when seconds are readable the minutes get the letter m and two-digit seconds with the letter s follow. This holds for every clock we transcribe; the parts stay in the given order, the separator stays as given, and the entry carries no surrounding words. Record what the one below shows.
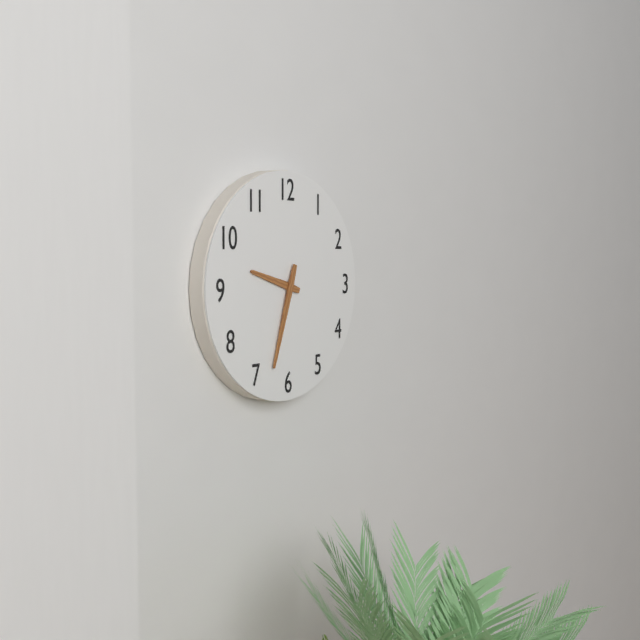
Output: 9h33
